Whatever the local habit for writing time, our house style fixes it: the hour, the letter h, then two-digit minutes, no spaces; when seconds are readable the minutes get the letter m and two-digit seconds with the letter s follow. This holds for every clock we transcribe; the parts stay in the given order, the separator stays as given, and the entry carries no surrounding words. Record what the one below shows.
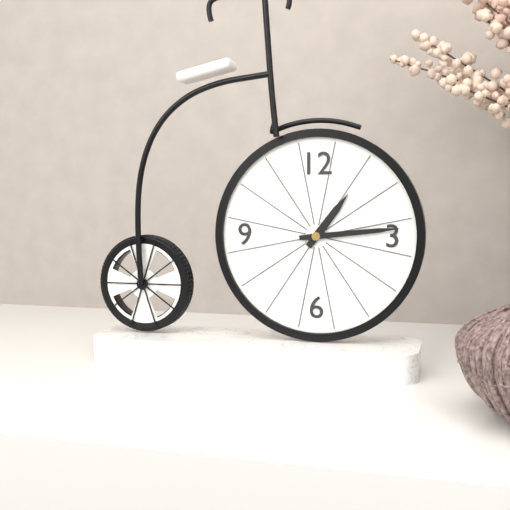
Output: 1h14
